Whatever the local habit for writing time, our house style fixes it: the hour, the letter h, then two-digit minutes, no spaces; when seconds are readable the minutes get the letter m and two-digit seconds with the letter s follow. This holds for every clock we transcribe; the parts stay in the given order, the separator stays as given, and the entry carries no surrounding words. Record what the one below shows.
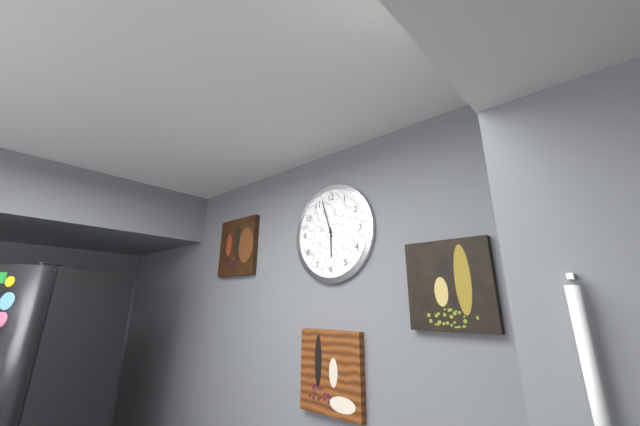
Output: 5h57
